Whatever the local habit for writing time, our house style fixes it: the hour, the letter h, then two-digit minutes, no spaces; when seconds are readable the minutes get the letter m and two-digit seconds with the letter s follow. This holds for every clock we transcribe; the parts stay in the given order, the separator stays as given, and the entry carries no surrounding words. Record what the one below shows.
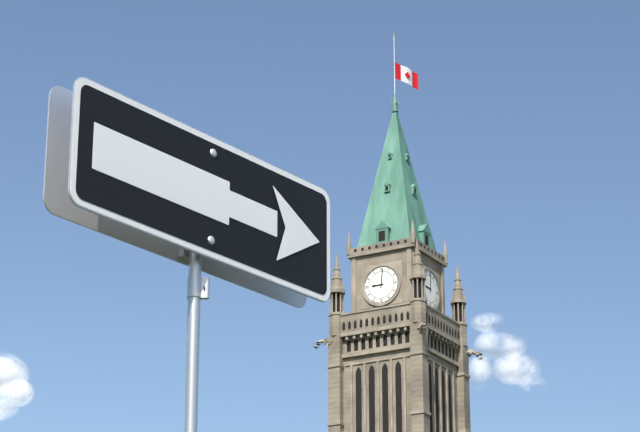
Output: 9h01
